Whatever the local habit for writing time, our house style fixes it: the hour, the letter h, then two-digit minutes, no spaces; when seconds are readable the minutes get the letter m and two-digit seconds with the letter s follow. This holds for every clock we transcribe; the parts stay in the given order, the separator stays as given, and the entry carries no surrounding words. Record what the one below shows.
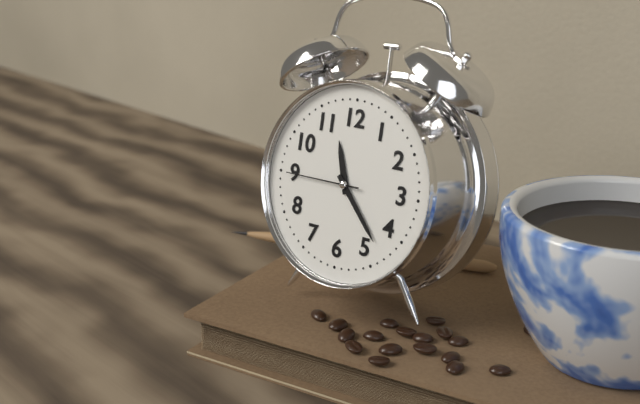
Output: 11h23m45s
